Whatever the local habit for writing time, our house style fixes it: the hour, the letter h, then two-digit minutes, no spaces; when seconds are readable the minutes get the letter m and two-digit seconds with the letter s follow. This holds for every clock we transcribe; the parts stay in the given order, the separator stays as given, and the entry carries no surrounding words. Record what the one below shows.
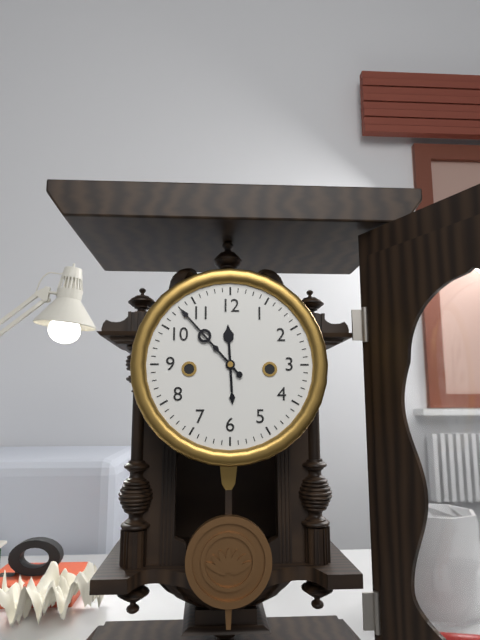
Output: 11h53
